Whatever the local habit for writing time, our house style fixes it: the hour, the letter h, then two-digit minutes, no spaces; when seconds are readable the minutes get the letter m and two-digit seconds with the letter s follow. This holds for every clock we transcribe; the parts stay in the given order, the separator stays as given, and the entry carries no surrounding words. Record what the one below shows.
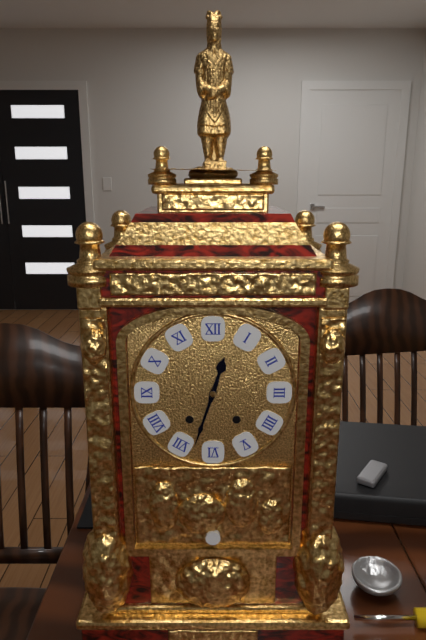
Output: 12h33
